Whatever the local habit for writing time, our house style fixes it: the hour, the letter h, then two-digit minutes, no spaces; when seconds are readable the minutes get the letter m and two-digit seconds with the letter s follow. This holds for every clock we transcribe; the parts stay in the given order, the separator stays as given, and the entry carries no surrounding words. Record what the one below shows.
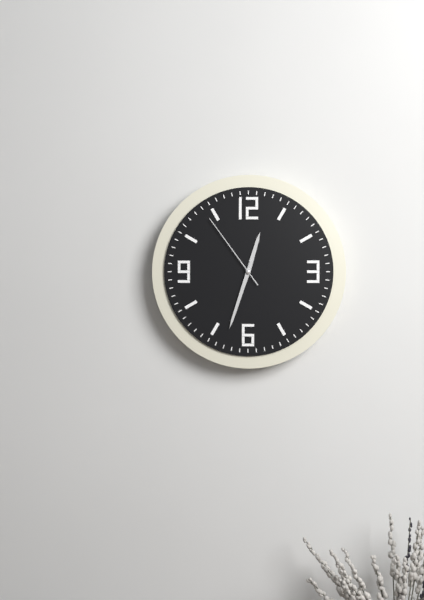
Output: 12h33m54s
